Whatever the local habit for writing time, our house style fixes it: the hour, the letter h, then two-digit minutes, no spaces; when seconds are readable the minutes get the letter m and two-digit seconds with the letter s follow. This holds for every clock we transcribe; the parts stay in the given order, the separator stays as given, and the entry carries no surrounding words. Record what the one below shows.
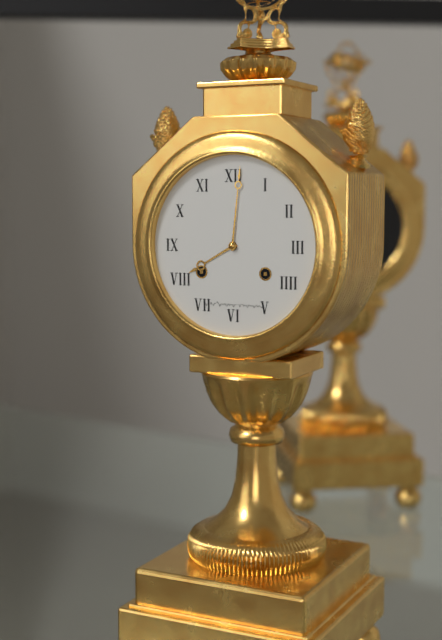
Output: 8h01
